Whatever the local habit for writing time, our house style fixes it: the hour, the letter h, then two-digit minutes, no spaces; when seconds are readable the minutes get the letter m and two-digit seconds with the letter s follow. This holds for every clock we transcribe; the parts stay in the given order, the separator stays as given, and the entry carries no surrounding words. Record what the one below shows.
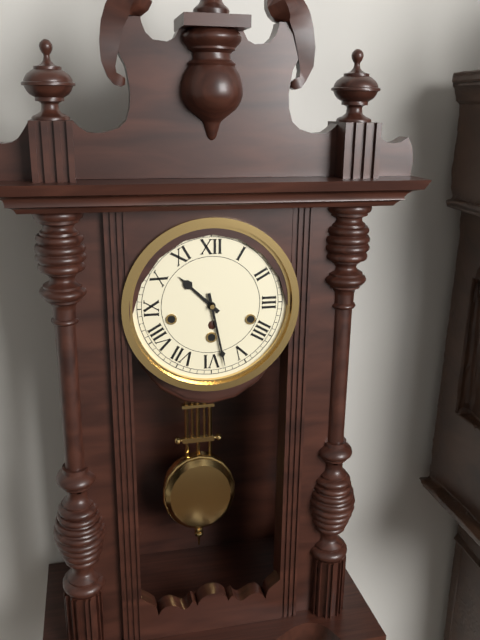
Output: 10h28
